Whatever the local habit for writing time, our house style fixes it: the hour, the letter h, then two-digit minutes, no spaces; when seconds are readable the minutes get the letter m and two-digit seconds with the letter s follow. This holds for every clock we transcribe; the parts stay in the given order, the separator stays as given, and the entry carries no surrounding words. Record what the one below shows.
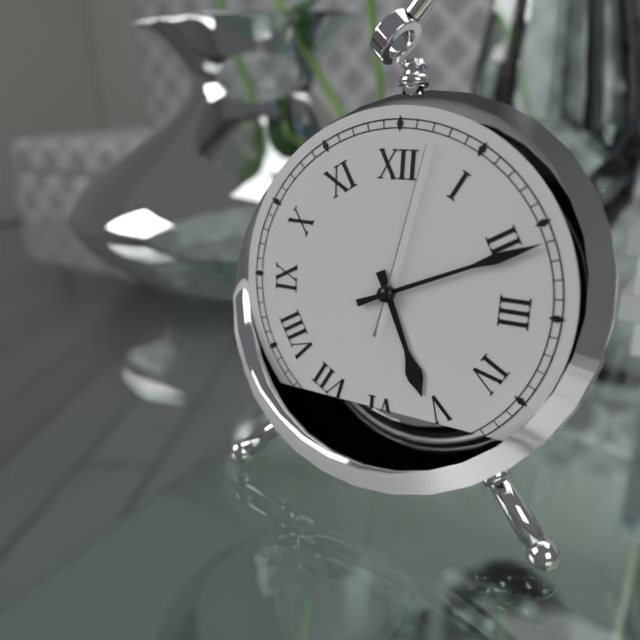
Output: 5h11m02s
